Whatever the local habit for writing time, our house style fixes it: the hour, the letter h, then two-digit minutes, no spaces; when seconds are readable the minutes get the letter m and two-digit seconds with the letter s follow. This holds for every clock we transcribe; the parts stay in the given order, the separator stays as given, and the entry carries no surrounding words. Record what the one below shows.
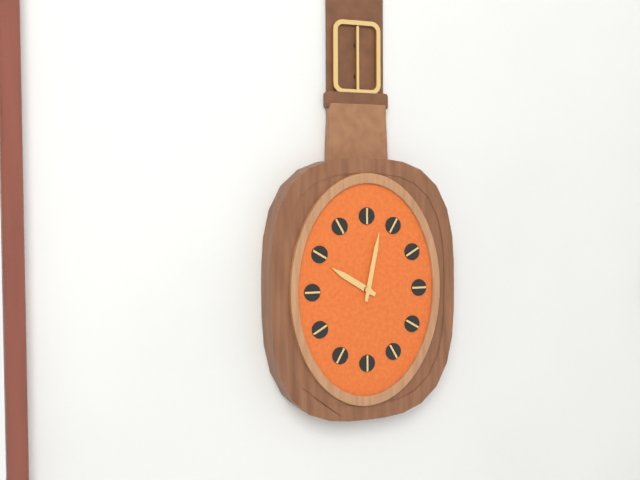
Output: 10h02
